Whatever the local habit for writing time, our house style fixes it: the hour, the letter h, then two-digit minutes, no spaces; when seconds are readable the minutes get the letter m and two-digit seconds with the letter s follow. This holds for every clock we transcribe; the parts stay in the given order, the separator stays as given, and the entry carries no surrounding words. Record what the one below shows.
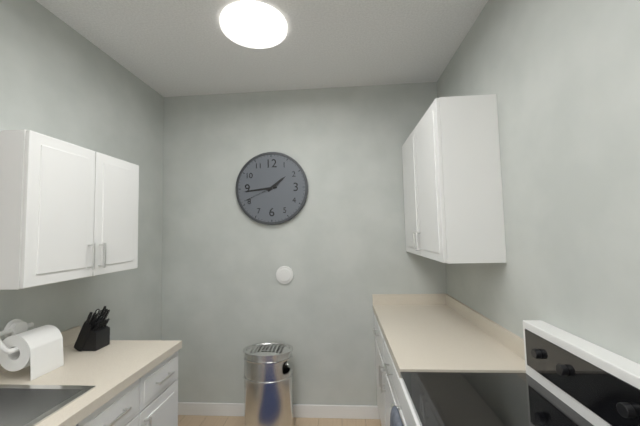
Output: 1h44
